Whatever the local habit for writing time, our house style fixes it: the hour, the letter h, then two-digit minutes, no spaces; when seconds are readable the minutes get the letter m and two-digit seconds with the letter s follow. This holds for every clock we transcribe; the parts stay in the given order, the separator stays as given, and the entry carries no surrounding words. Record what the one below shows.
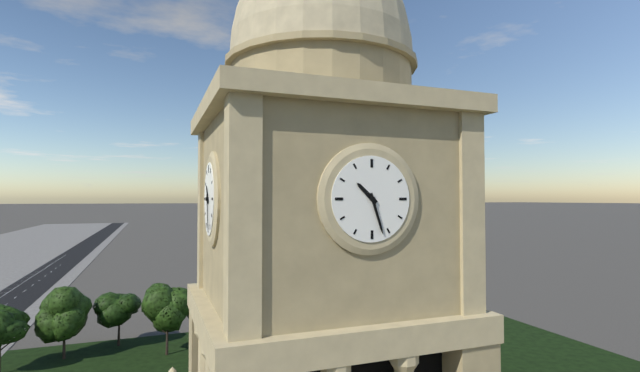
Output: 10h27
